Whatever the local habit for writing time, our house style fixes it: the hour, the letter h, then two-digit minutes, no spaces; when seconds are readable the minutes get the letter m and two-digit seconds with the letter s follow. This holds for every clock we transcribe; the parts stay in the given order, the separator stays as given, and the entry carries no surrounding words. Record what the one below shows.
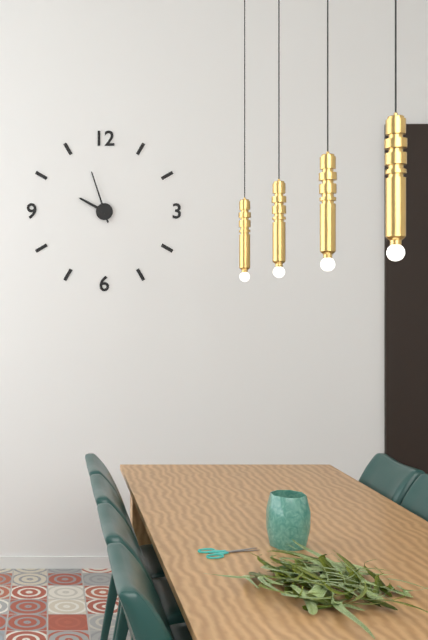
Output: 9h57
